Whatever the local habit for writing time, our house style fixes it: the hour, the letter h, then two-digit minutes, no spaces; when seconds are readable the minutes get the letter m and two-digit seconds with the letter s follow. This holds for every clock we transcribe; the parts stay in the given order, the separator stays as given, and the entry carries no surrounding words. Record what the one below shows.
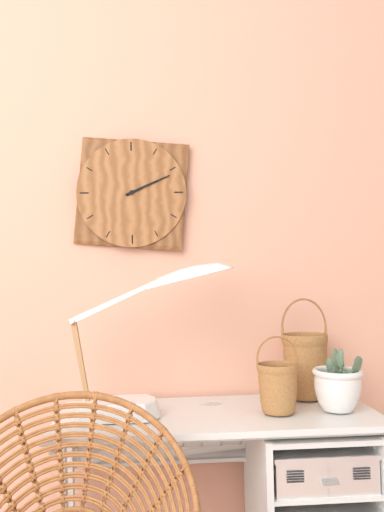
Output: 2h11
